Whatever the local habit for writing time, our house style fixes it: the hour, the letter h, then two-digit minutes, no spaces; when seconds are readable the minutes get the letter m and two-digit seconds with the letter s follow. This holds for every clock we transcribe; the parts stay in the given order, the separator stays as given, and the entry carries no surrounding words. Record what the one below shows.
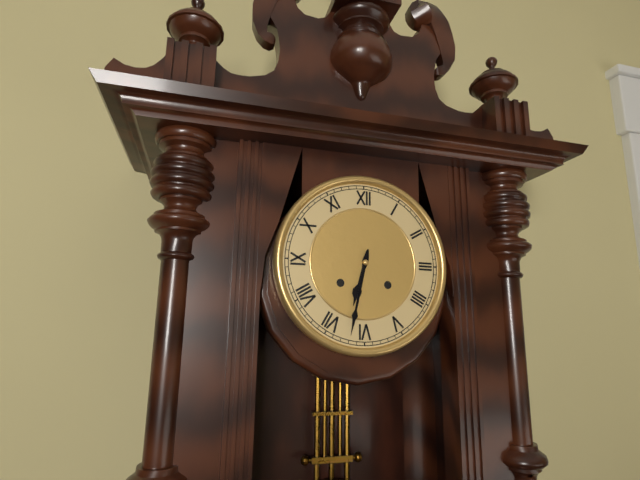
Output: 6h32
